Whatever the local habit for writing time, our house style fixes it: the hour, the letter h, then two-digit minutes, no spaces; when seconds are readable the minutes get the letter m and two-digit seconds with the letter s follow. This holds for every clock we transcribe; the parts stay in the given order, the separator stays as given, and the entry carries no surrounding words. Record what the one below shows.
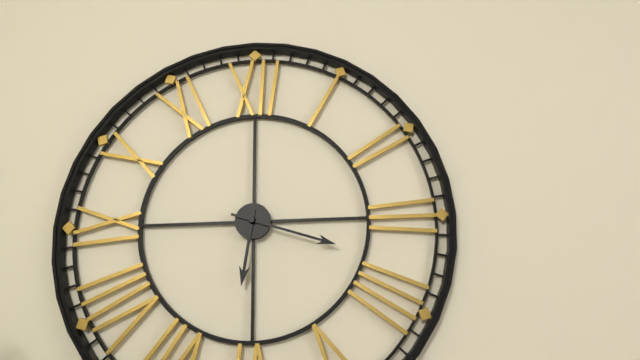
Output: 6h18
